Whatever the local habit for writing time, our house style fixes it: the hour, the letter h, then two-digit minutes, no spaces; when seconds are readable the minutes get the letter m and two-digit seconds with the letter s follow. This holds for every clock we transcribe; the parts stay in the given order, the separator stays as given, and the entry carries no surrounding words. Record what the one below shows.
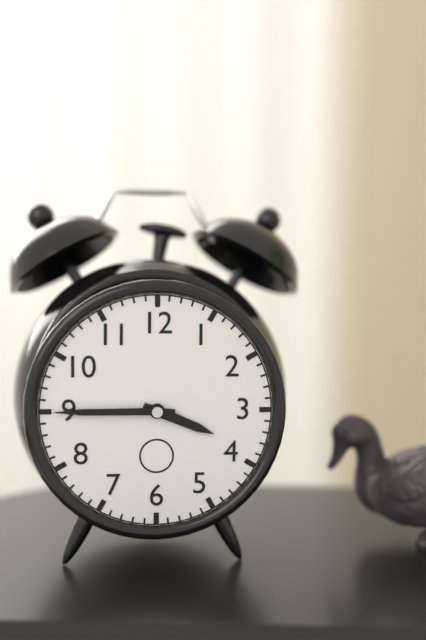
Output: 3h45
